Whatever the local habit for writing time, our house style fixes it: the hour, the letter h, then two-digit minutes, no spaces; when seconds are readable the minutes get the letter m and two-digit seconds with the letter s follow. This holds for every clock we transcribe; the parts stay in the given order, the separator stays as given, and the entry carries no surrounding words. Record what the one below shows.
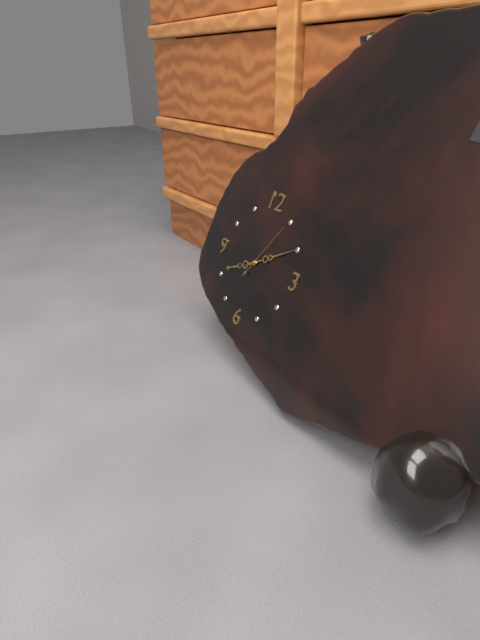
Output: 8h10m05s
